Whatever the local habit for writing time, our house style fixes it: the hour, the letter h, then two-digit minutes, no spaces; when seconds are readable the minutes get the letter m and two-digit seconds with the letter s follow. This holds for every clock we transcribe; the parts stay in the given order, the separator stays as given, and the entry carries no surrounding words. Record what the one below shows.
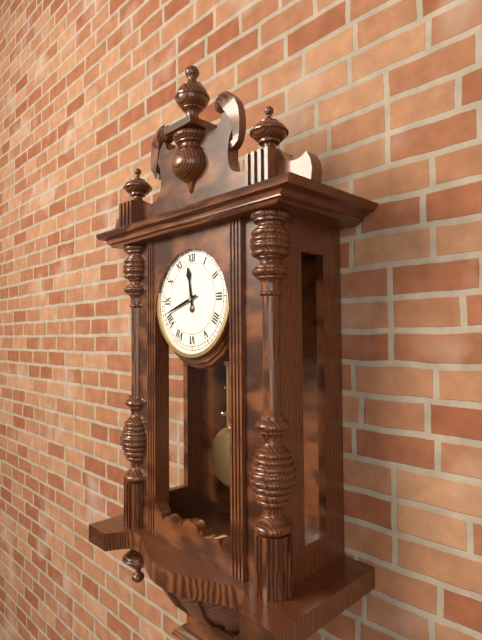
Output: 11h42
